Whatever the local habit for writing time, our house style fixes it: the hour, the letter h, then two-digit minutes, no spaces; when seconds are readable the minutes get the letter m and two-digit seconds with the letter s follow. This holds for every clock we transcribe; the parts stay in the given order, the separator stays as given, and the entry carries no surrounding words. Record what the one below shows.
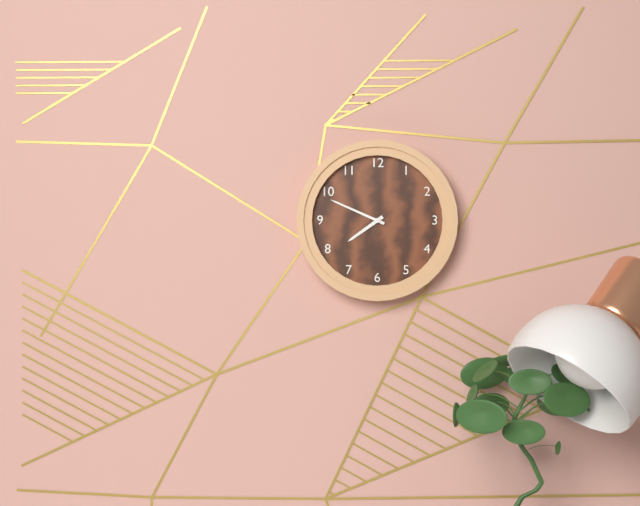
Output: 7h49
